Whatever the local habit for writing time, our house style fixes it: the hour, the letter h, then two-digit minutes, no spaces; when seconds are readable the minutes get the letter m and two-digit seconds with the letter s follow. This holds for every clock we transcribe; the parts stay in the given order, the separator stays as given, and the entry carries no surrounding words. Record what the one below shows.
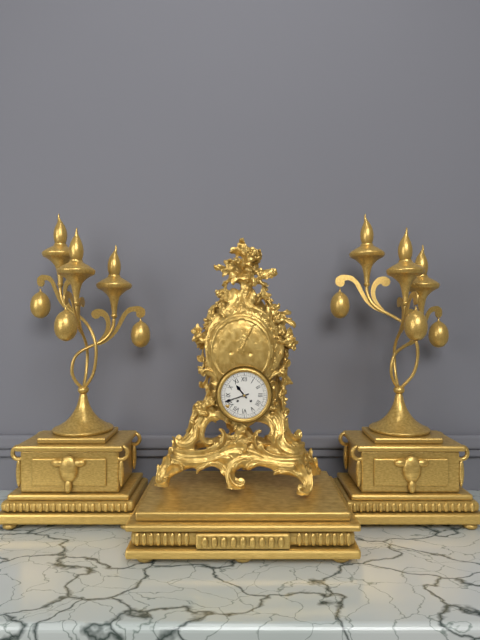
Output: 10h42
